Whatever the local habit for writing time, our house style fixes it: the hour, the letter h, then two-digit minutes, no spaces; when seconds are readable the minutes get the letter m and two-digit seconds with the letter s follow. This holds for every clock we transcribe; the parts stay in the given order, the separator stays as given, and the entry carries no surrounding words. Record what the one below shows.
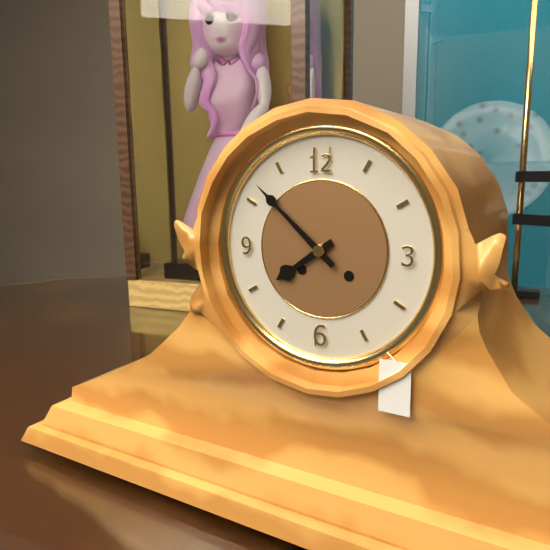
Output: 7h52
